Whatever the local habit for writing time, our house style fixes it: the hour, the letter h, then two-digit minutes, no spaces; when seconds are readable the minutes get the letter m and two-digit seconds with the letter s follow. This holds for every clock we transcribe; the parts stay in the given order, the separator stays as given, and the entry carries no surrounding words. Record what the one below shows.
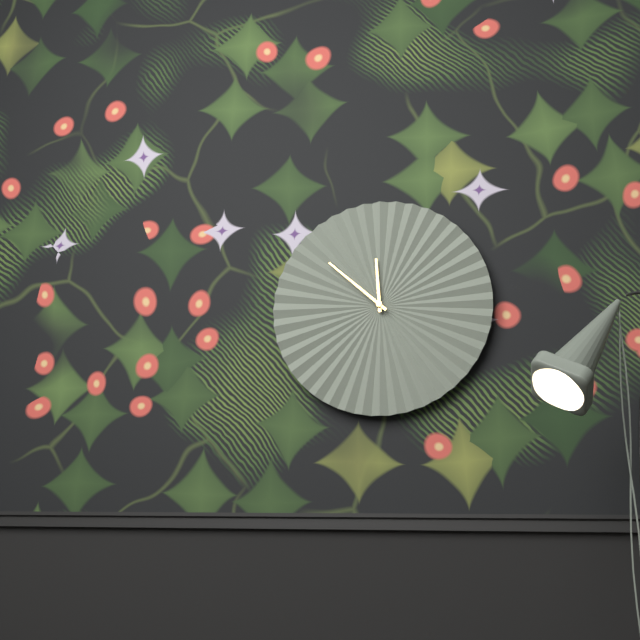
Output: 11h52
